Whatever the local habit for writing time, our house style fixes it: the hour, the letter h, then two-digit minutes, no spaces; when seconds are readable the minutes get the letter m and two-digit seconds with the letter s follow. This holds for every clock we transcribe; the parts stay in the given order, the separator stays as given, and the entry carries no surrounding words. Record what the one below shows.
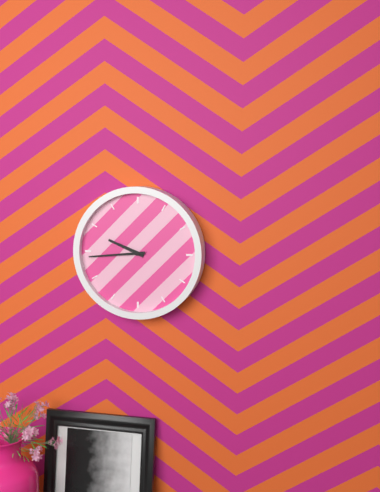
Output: 9h44
